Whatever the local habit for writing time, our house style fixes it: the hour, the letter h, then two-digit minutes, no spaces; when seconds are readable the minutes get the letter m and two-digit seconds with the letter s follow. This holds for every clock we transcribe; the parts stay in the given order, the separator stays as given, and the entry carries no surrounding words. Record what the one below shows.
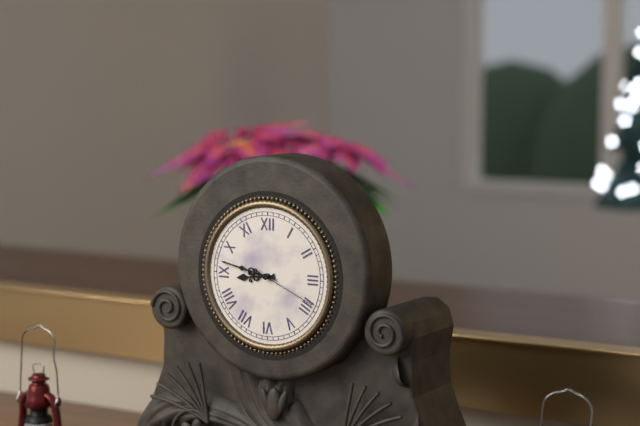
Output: 8h47m19s
